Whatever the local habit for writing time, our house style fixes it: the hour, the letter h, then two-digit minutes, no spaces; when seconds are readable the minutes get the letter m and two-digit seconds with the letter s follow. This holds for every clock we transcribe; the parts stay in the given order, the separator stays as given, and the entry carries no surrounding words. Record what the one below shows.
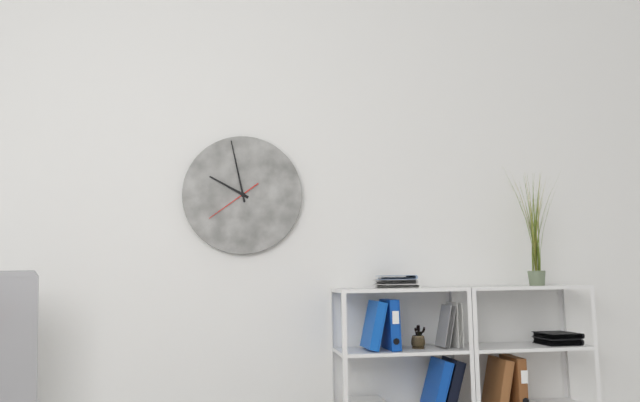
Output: 9h58m39s
